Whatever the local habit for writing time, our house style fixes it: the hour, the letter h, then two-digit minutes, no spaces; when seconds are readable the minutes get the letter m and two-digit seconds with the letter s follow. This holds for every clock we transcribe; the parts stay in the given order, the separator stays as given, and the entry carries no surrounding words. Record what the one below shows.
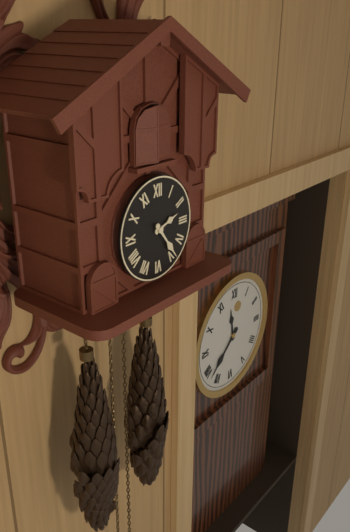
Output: 2h24
